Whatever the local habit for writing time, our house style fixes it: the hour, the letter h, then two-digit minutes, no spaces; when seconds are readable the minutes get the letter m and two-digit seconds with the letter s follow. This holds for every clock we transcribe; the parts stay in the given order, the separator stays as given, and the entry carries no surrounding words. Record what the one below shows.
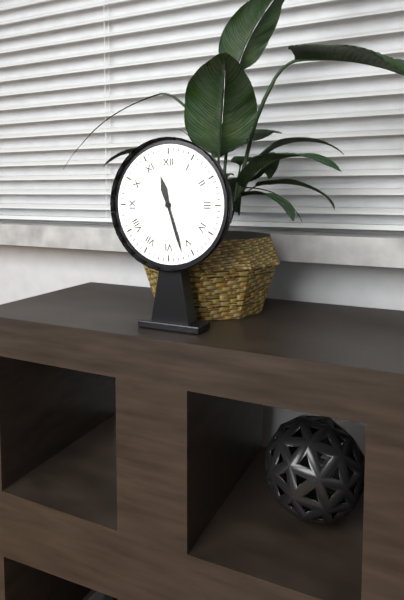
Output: 11h27
